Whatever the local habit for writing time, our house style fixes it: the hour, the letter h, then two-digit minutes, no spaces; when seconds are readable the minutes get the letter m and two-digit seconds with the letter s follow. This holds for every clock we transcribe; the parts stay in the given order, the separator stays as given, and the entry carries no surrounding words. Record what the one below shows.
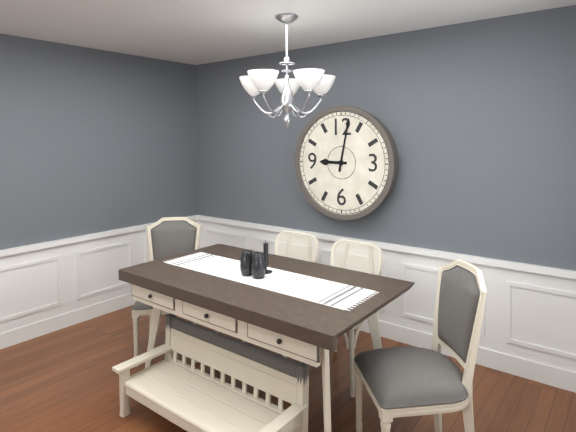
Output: 9h02
